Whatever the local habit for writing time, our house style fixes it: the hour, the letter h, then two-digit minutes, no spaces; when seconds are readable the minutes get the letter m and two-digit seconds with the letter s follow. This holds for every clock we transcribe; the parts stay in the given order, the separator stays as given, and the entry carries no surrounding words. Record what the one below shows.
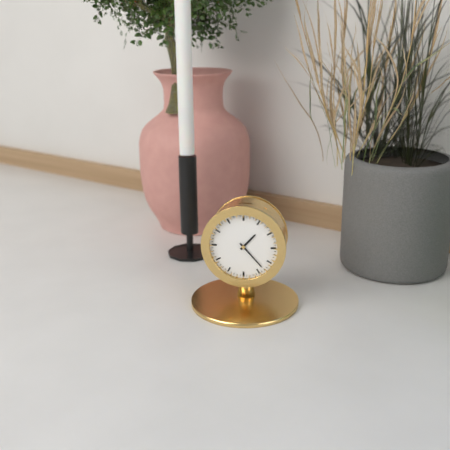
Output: 1h23
